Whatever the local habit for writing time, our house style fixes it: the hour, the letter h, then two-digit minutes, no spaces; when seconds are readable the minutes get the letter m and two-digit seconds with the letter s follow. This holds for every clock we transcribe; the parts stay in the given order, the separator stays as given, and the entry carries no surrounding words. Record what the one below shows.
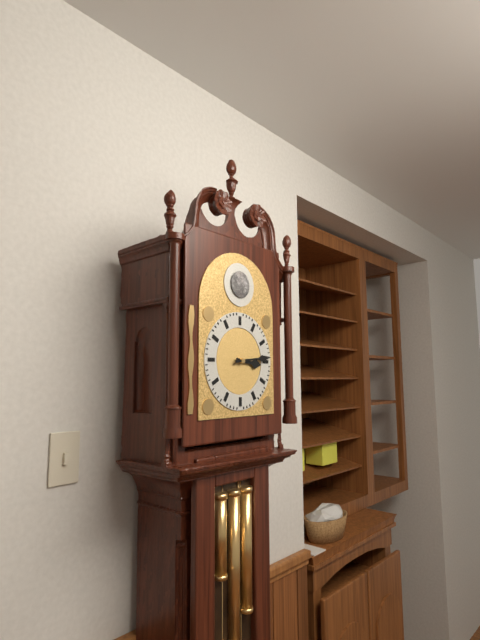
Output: 3h14
